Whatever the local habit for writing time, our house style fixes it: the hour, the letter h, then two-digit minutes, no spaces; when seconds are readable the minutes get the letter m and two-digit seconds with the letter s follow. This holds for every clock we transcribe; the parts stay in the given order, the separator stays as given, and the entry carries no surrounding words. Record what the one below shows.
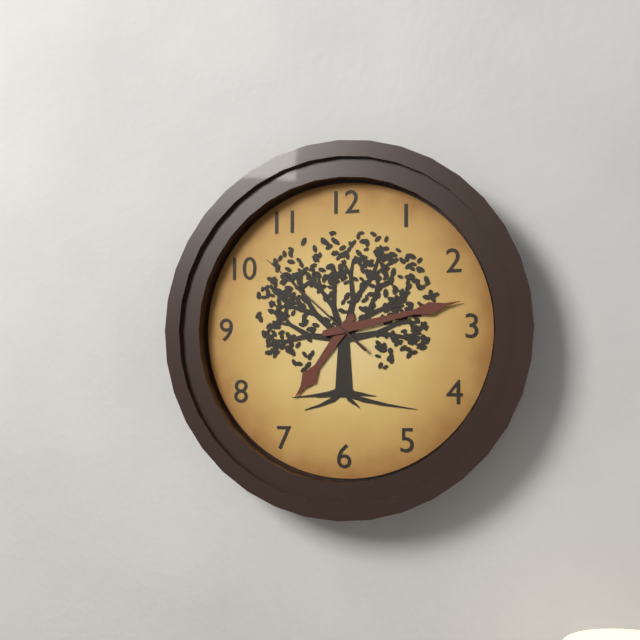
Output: 7h13m52s
